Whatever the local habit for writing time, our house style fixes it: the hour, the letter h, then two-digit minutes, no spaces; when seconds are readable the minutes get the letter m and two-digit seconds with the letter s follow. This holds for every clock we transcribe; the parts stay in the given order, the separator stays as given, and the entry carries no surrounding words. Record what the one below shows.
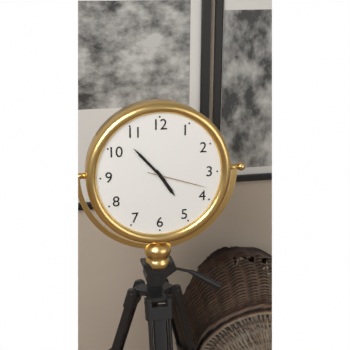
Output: 4h53m18s
